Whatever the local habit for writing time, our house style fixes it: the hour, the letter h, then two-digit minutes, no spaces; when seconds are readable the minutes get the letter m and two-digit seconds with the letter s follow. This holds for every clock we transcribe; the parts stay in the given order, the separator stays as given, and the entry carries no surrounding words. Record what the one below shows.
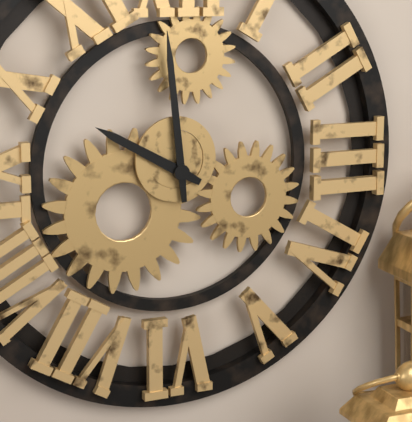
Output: 9h59
